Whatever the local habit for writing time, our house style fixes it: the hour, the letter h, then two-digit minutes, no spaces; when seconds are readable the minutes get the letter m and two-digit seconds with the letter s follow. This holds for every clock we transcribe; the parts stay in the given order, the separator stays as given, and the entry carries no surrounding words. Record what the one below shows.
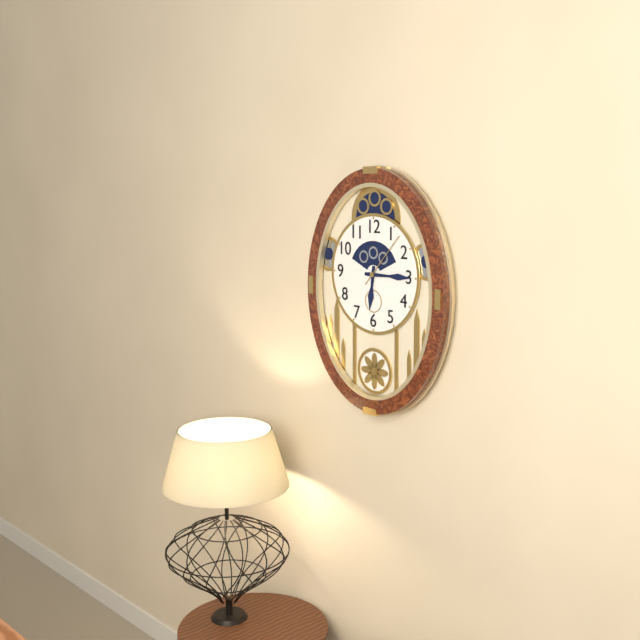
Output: 6h15m07s
